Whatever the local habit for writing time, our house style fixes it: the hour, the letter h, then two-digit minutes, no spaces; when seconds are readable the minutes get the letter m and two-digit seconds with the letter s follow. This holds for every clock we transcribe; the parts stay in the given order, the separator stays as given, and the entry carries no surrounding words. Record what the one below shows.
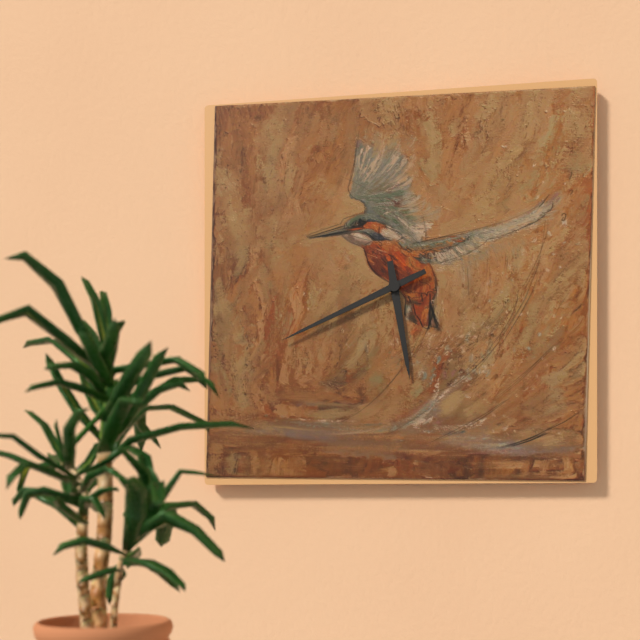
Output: 5h41
